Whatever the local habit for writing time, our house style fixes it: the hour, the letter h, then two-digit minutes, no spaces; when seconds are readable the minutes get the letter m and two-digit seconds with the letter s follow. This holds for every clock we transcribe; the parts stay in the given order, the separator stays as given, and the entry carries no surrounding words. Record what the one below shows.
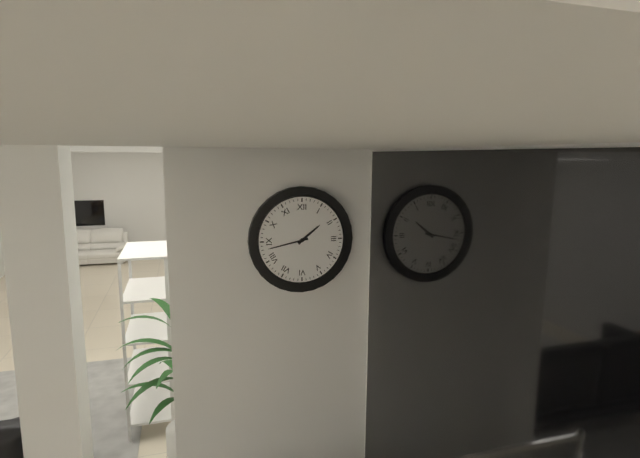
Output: 1h43
